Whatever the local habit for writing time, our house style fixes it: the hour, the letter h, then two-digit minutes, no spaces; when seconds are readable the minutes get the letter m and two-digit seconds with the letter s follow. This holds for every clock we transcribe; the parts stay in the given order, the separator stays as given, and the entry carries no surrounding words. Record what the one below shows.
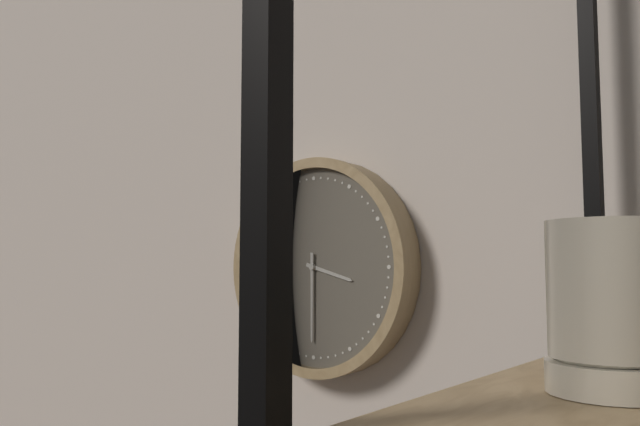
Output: 3h30
